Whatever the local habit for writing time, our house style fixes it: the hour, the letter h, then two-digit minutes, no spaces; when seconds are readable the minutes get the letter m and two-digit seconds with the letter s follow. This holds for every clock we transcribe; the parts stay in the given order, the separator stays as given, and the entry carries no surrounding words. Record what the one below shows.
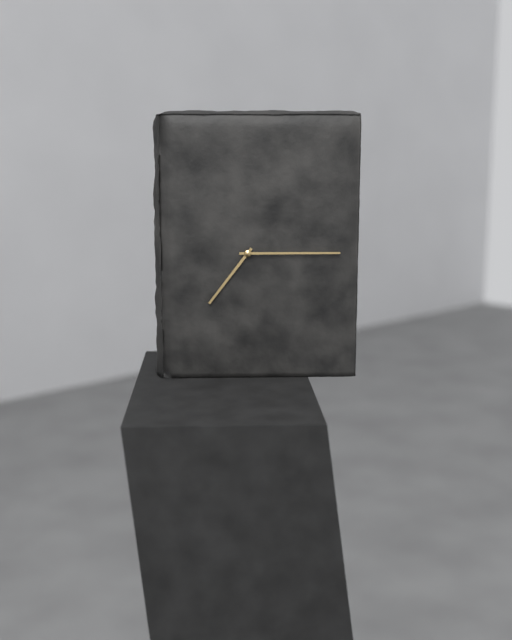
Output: 7h15
